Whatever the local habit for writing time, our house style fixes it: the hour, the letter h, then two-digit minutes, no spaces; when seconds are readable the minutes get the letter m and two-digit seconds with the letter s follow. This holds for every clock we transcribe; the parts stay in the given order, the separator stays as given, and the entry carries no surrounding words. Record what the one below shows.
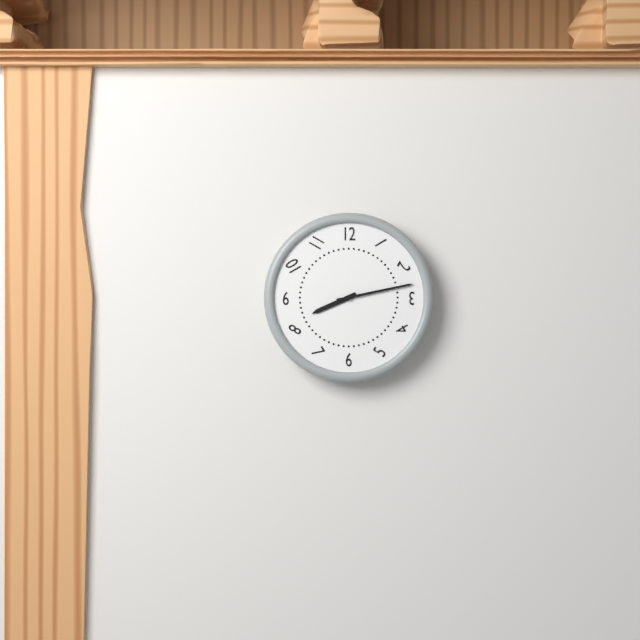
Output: 8h13
